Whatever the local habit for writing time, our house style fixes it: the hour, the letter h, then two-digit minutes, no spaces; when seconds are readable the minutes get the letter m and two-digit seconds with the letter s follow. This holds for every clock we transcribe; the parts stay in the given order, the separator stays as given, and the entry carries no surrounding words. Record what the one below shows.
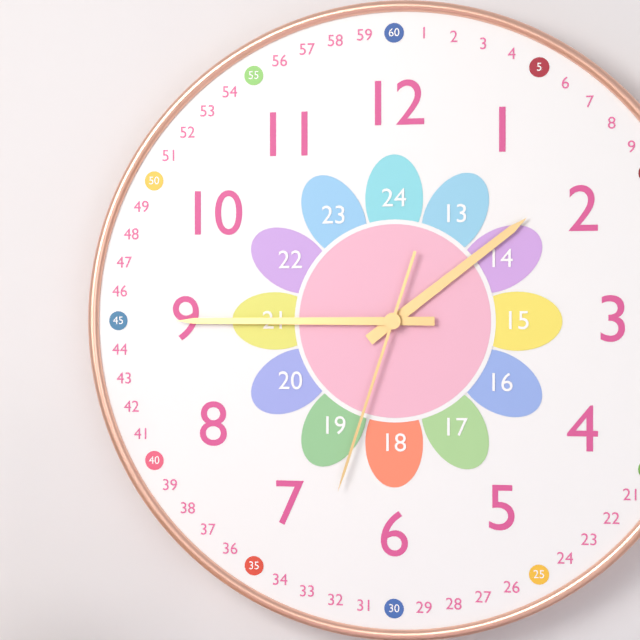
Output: 1h45m33s
